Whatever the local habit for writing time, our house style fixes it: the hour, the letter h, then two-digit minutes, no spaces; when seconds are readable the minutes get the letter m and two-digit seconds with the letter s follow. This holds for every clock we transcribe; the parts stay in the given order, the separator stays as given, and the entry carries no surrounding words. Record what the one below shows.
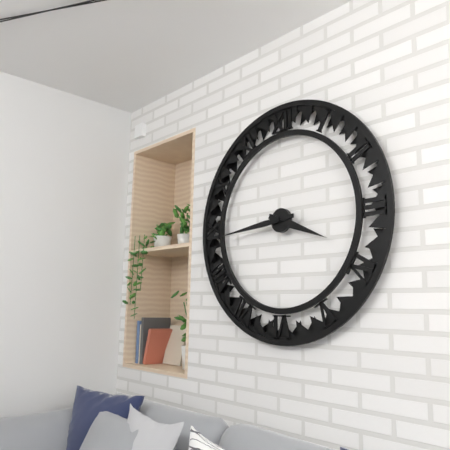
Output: 3h44
